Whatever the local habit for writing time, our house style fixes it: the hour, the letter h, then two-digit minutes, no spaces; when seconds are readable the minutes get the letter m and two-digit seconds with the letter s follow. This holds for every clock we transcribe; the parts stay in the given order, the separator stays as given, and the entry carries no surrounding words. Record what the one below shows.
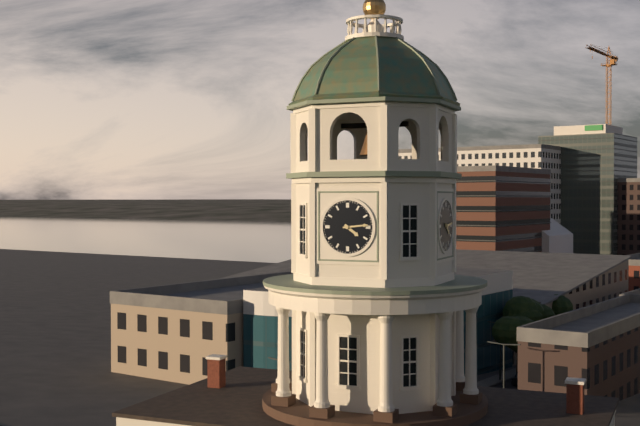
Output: 4h14
